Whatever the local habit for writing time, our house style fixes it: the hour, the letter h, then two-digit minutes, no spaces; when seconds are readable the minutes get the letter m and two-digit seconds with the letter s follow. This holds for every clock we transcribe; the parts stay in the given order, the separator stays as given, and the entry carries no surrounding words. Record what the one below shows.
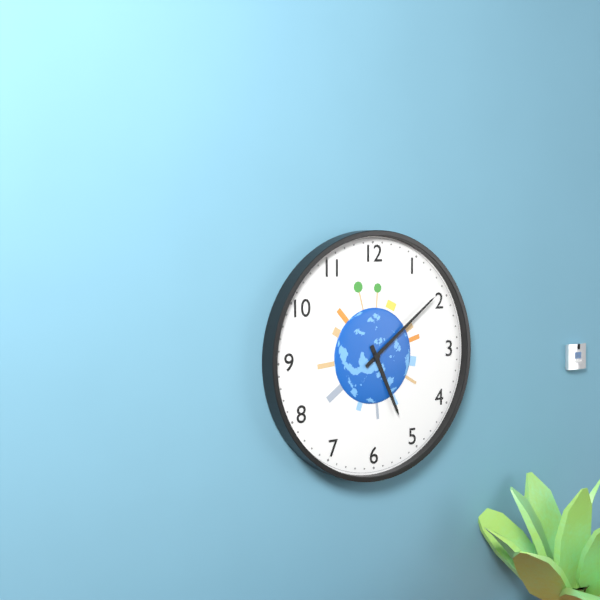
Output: 5h09
